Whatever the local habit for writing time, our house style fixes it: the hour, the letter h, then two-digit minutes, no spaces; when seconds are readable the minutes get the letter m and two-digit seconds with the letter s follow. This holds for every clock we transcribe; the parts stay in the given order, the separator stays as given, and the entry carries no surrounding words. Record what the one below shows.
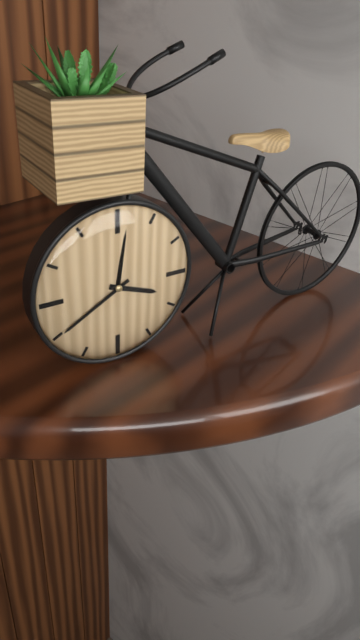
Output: 3h40
